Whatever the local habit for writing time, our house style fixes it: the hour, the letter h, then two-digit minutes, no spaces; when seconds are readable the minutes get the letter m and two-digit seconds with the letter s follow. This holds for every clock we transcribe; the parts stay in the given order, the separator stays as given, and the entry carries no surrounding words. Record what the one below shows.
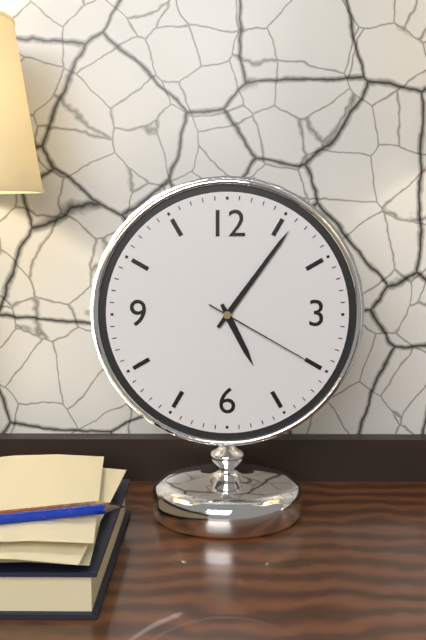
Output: 5h06m20s
